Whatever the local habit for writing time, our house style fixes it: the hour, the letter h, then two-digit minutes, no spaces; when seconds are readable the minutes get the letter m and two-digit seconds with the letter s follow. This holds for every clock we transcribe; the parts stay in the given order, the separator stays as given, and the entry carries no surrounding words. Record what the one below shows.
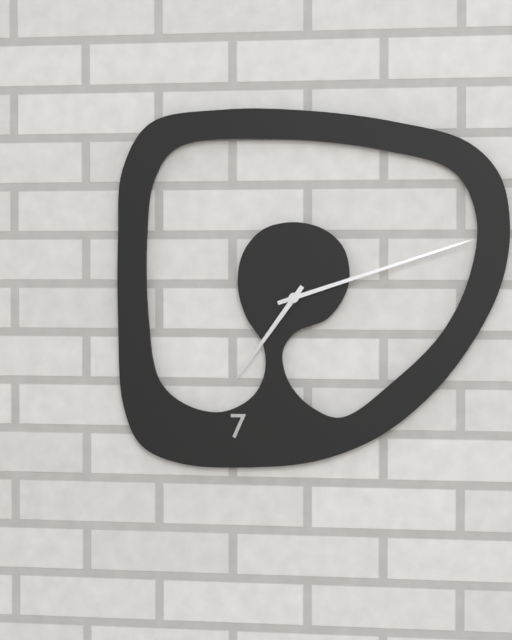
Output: 7h12
